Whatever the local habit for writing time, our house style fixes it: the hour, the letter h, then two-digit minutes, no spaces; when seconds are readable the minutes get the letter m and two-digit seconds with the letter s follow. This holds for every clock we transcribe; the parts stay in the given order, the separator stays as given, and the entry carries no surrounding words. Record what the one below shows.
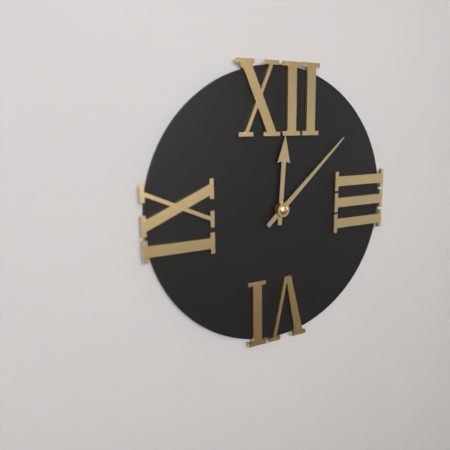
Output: 12h08
